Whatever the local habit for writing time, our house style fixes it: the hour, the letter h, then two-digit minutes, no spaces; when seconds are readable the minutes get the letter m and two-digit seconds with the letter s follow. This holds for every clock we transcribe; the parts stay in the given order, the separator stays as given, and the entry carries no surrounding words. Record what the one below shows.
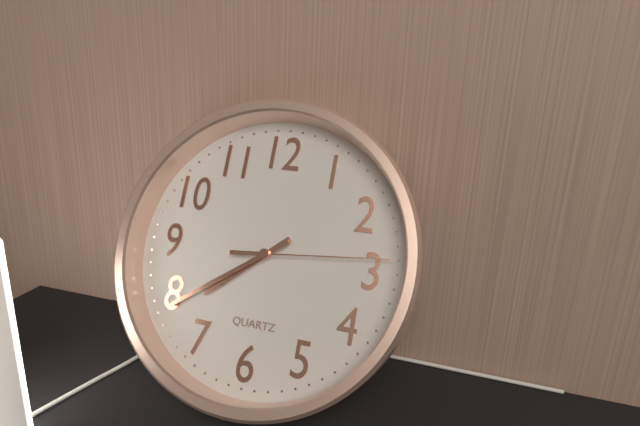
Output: 7h39m14s
